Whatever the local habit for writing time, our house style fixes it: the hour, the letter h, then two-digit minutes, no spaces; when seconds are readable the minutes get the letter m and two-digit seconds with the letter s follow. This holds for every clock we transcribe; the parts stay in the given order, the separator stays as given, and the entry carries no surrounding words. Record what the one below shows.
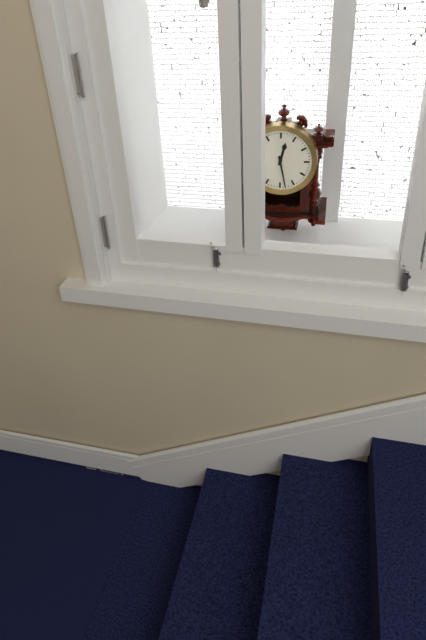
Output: 12h28
